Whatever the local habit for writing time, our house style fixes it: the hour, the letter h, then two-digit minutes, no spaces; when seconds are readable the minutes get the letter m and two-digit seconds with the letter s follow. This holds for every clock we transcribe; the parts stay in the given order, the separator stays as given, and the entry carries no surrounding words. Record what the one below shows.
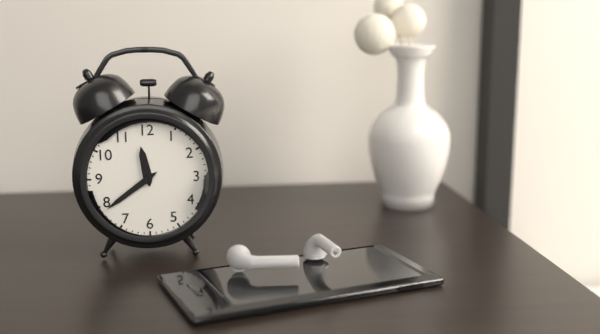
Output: 11h39
